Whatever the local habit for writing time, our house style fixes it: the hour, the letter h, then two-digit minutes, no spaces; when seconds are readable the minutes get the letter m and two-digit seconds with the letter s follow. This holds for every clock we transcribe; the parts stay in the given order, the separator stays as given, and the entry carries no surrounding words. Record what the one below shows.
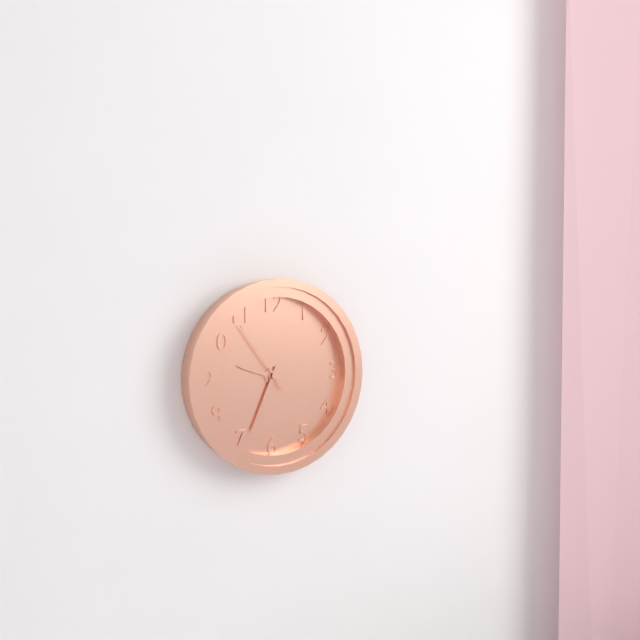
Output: 9h34m54s
